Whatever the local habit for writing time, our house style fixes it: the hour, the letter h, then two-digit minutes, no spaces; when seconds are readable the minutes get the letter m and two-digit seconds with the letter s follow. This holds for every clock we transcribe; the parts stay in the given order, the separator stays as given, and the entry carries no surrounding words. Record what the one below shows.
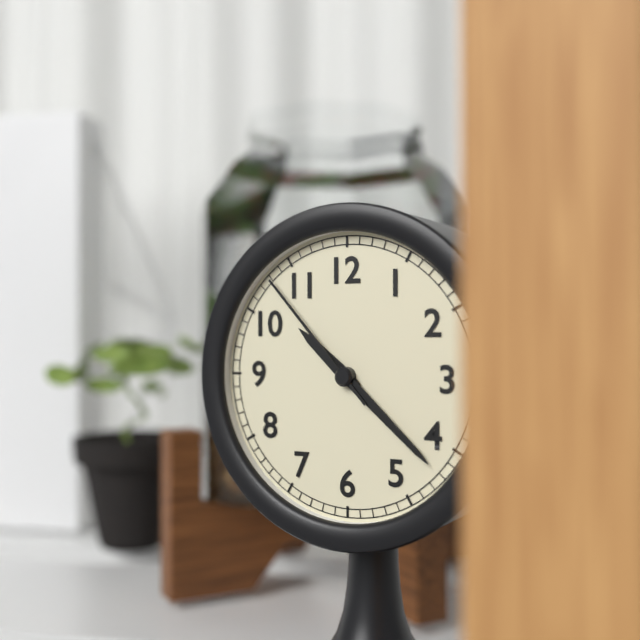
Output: 10h22m53s
